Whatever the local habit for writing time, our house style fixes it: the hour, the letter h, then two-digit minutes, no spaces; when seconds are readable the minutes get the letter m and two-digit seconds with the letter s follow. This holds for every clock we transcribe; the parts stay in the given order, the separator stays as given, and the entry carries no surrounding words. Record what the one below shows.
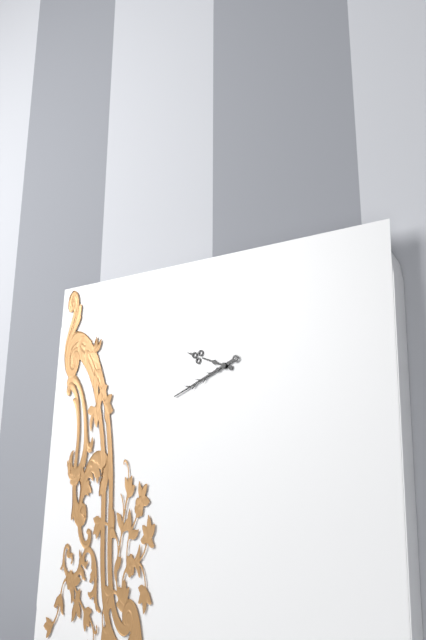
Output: 9h41
